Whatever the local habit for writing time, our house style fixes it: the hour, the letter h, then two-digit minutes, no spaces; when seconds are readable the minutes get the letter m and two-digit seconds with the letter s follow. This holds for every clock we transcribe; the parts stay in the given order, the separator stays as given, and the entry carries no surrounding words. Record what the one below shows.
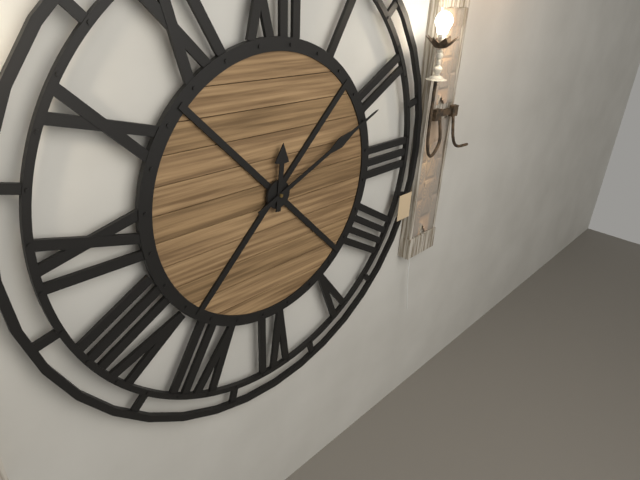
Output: 12h11
